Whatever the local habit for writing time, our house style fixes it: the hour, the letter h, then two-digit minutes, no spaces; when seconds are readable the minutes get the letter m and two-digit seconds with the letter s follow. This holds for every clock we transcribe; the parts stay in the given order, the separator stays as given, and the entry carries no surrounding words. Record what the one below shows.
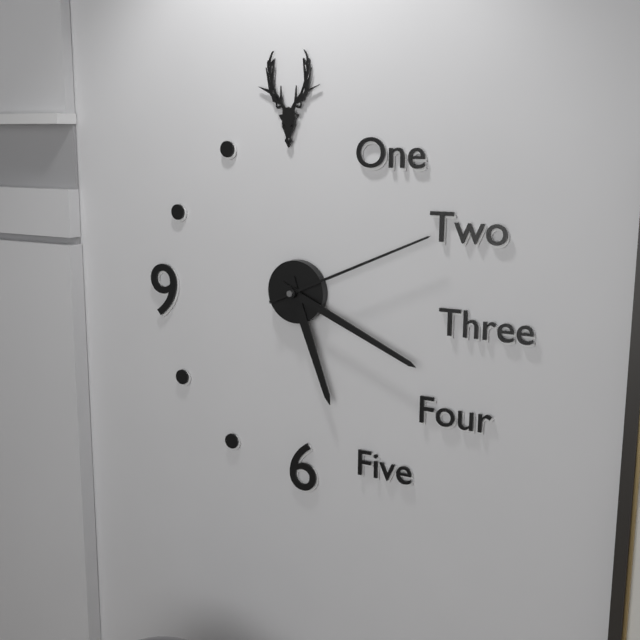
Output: 5h19m11s
